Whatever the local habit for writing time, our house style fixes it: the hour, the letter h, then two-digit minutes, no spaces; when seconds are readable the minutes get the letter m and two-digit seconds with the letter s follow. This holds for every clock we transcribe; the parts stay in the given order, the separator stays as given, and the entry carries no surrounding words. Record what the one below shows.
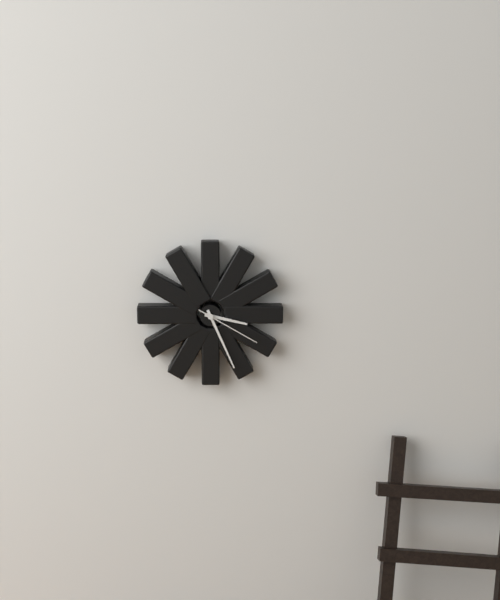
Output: 3h26m20s
